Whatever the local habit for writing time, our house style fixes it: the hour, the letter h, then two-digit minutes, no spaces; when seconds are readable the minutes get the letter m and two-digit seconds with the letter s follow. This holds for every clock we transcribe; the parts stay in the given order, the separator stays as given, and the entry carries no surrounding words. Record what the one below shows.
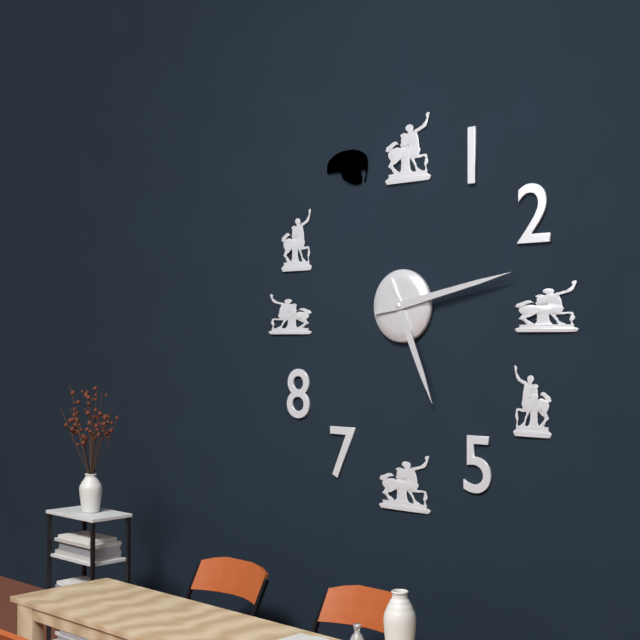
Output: 5h13
